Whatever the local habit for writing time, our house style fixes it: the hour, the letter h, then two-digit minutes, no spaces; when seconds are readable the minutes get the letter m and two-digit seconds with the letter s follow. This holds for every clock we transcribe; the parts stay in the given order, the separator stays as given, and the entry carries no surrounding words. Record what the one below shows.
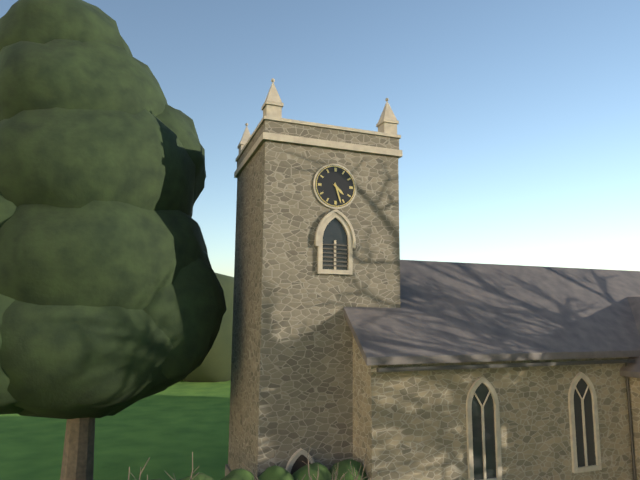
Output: 4h27
